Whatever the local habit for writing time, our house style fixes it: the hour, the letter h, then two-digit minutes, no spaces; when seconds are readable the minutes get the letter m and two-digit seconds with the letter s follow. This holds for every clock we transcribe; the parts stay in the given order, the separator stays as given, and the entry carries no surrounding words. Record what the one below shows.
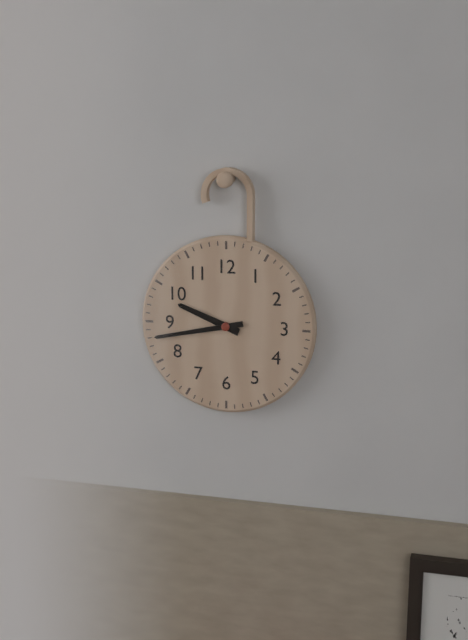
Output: 9h43
